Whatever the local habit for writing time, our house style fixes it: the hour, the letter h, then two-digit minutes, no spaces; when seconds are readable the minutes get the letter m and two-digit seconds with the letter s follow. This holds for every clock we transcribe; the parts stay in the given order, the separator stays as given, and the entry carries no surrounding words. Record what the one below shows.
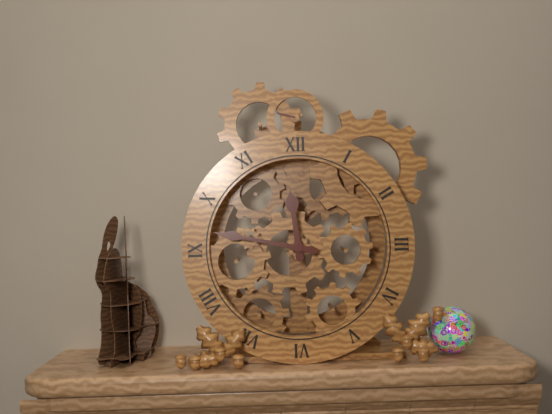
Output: 11h47
